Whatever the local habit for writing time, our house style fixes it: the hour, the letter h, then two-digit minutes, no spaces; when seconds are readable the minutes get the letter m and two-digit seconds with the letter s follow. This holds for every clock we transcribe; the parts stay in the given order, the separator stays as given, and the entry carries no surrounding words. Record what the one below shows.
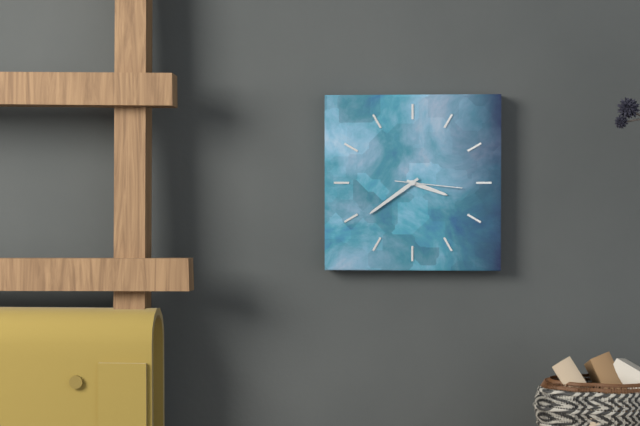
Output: 3h39m16s
